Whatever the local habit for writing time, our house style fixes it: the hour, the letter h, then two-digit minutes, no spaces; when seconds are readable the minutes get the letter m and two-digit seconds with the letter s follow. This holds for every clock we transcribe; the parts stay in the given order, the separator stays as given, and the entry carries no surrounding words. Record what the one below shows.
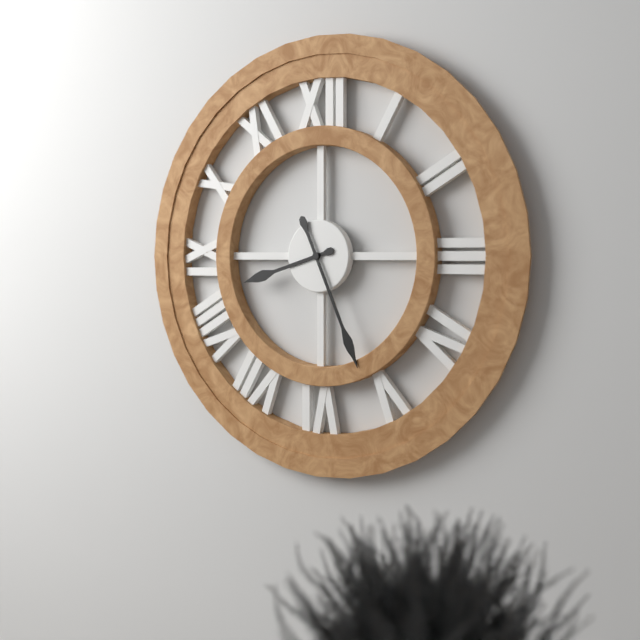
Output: 8h26
